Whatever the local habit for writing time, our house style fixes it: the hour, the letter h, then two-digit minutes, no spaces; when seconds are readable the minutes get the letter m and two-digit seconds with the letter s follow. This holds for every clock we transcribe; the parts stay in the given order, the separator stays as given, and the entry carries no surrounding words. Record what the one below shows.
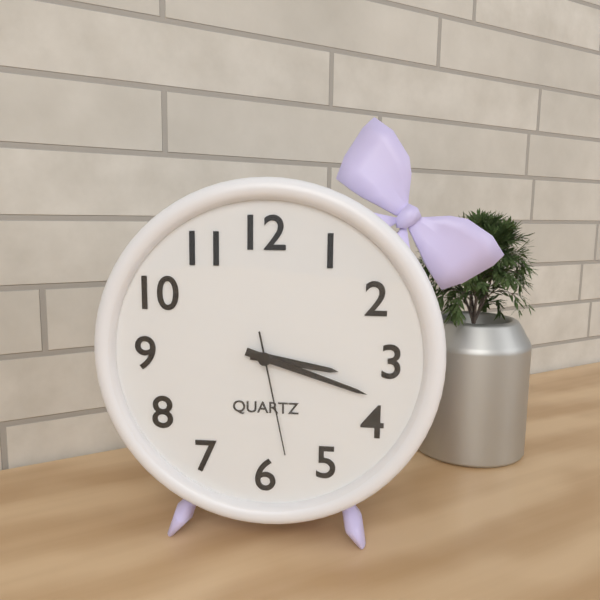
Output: 3h18m28s
